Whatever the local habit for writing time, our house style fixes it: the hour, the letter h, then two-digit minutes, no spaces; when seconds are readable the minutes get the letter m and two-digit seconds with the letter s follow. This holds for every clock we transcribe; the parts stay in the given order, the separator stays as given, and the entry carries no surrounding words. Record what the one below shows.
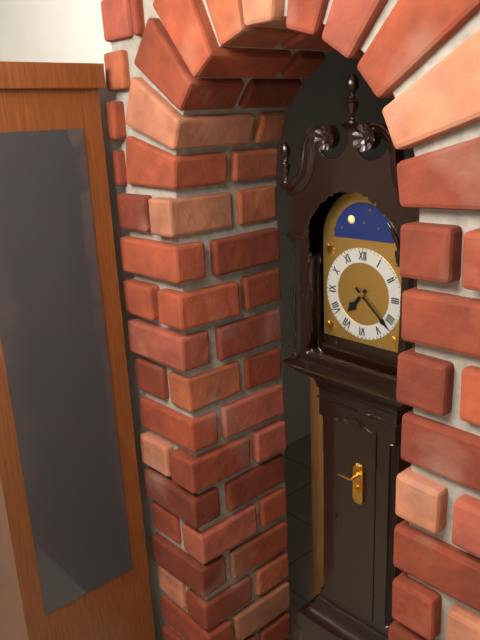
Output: 7h22
